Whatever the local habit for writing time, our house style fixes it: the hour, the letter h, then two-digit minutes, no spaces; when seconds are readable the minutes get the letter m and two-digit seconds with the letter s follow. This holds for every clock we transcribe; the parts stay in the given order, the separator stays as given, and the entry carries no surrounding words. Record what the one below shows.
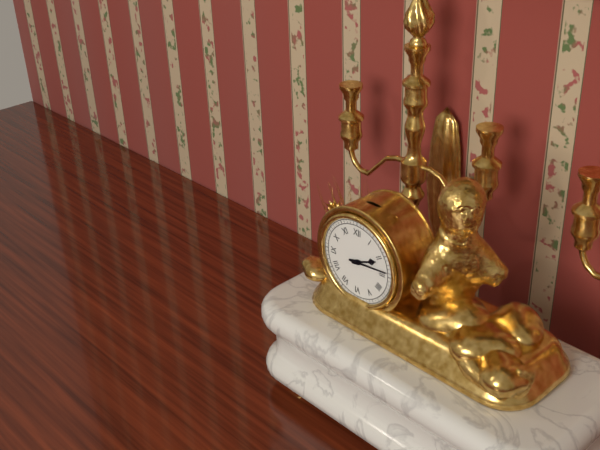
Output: 2h14
